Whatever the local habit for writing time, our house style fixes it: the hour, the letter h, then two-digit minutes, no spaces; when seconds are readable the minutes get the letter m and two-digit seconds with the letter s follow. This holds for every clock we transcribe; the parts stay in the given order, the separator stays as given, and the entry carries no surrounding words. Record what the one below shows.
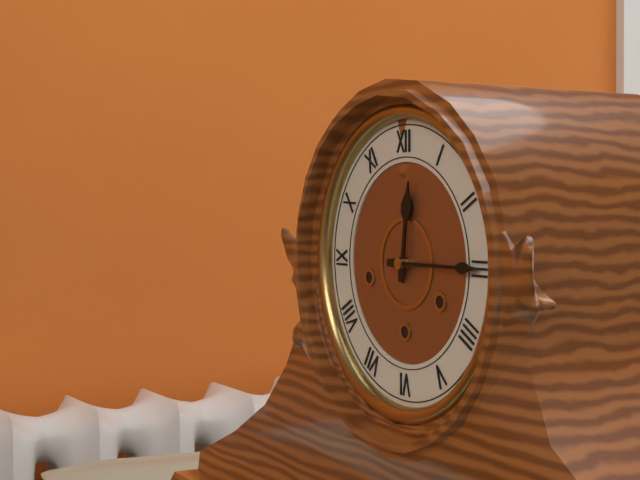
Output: 12h15
